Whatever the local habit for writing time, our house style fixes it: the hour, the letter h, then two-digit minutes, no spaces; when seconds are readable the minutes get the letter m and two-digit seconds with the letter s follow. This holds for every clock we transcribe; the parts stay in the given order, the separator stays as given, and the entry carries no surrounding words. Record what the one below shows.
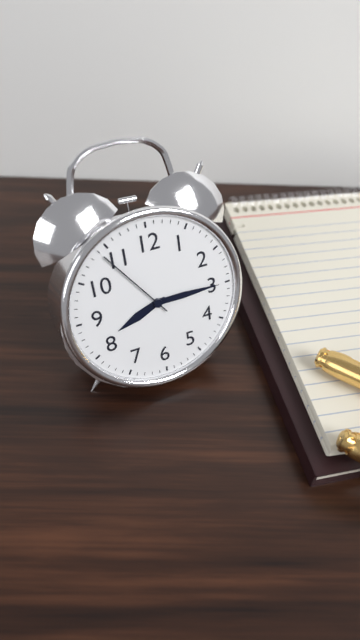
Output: 8h15m54s
